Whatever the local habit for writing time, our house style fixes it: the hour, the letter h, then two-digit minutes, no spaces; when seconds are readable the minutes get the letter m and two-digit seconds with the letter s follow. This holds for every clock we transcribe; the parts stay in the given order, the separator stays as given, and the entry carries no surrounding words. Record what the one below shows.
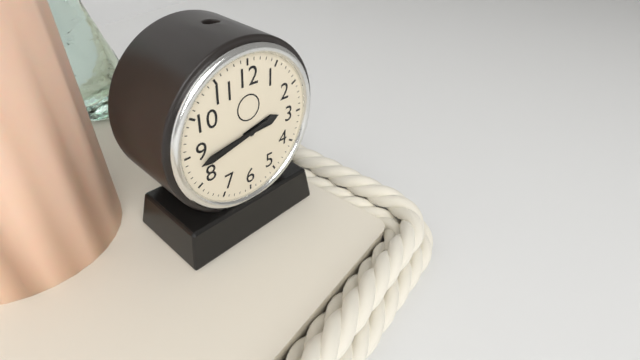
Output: 2h43
